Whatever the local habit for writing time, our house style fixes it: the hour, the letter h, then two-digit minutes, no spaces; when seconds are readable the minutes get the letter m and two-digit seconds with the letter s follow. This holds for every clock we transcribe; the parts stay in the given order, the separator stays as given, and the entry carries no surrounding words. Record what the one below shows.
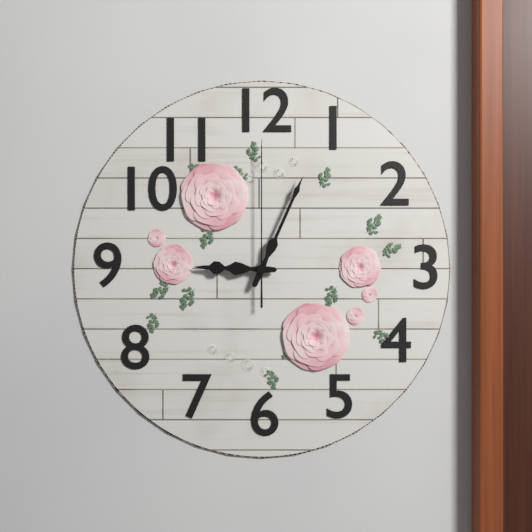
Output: 9h04m00s
